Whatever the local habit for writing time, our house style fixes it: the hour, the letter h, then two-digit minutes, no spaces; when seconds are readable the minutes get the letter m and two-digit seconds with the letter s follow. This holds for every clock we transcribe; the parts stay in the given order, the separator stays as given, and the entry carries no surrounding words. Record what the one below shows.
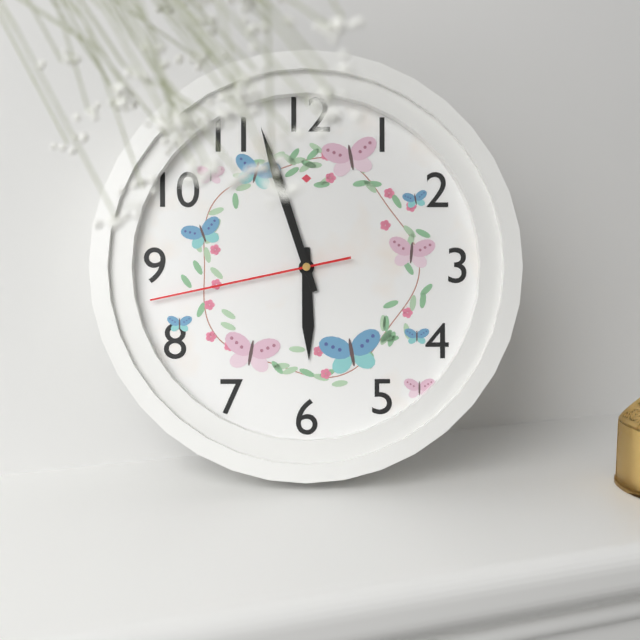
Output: 5h57m43s
